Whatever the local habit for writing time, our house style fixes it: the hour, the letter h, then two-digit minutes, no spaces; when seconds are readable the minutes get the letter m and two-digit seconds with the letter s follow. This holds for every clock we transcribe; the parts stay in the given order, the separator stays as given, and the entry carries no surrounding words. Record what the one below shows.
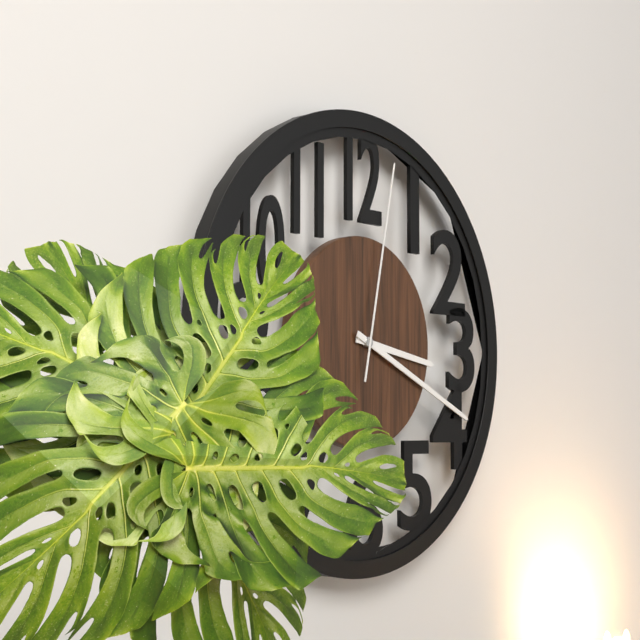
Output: 3h19m02s
